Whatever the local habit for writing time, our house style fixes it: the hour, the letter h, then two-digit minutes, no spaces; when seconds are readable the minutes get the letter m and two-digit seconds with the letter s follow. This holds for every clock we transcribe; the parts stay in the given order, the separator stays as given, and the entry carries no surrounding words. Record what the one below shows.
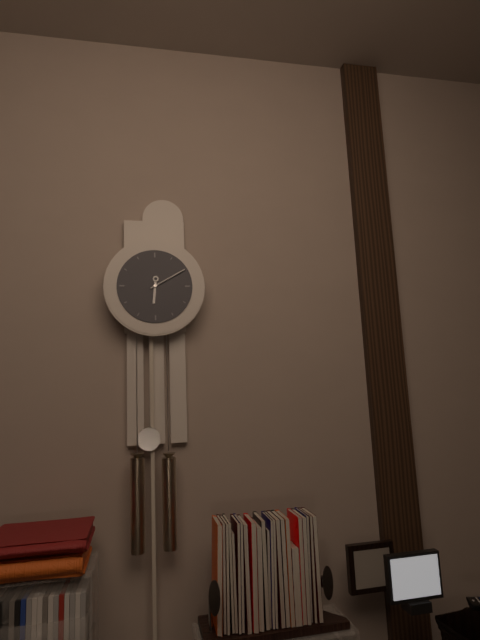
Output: 6h10
